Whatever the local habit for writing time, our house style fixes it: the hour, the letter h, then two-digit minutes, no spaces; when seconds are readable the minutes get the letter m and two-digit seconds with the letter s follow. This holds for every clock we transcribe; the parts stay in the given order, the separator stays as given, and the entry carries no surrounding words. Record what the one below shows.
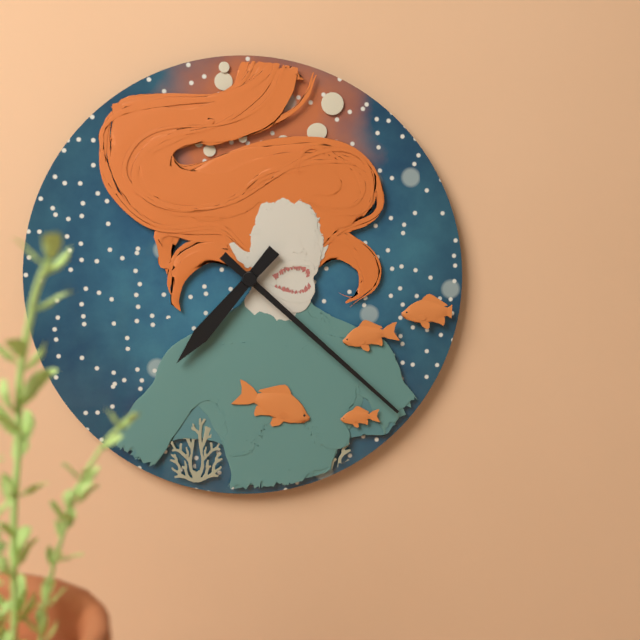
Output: 7h22
